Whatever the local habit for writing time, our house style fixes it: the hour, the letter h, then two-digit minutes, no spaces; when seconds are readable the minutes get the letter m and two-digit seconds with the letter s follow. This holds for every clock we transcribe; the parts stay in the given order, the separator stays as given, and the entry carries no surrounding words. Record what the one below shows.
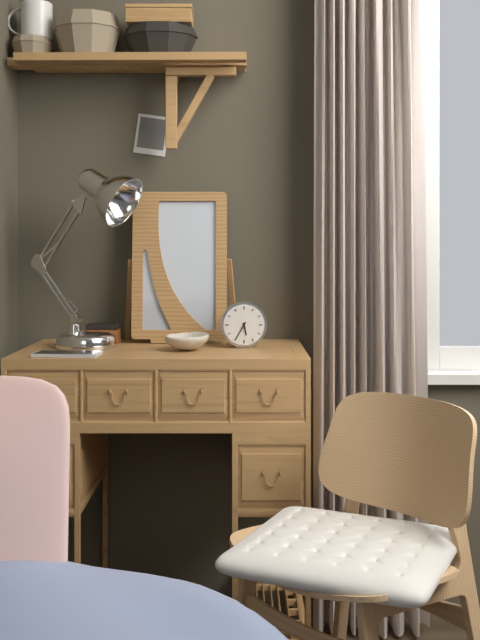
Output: 5h35
